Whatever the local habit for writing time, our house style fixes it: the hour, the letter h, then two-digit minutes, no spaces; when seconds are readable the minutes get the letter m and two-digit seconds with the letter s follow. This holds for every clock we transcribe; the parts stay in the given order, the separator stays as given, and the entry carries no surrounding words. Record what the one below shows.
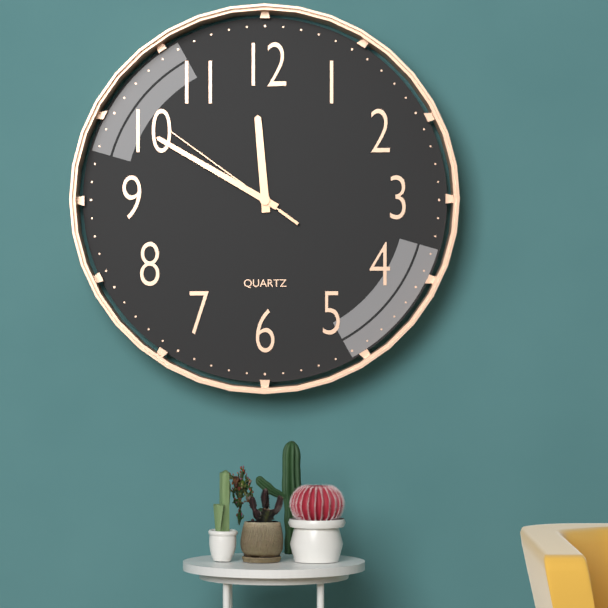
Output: 11h50m51s
